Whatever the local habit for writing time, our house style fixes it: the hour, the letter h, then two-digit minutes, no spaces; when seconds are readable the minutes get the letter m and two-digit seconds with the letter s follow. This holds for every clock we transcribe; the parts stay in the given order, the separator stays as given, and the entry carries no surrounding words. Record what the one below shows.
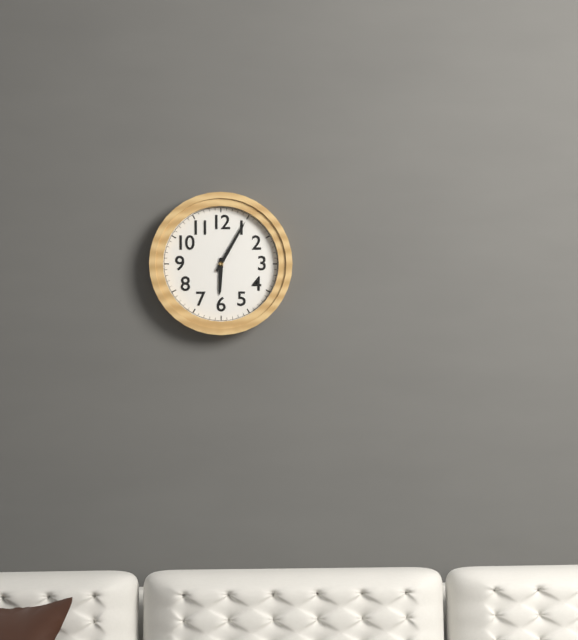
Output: 6h05
